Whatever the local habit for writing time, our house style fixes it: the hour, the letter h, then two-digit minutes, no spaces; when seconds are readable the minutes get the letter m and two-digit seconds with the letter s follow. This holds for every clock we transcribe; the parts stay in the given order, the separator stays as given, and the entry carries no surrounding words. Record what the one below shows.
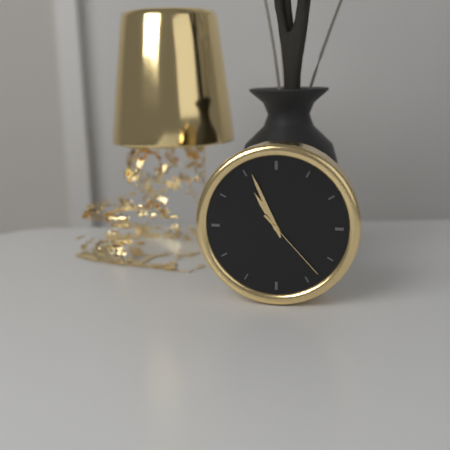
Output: 10h56m23s
